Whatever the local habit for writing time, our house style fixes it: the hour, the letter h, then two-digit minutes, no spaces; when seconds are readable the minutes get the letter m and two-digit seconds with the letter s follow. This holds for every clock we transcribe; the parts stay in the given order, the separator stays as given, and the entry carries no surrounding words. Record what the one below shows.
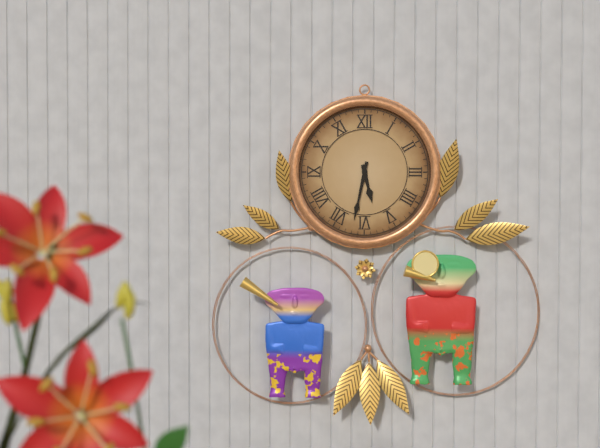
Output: 5h32
